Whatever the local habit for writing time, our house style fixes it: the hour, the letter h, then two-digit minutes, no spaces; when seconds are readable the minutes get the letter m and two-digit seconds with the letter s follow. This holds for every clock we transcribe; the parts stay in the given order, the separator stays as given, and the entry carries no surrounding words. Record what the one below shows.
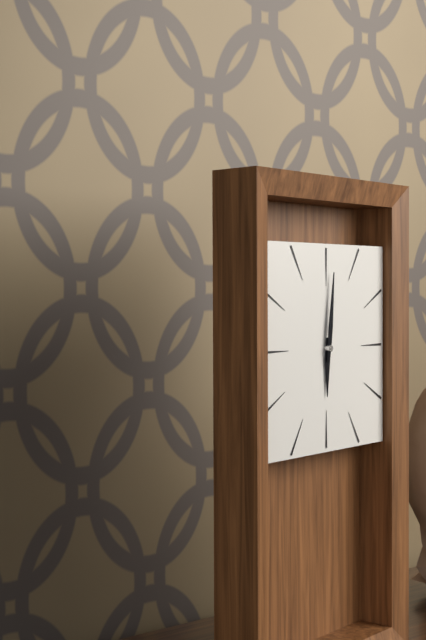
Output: 6h01
